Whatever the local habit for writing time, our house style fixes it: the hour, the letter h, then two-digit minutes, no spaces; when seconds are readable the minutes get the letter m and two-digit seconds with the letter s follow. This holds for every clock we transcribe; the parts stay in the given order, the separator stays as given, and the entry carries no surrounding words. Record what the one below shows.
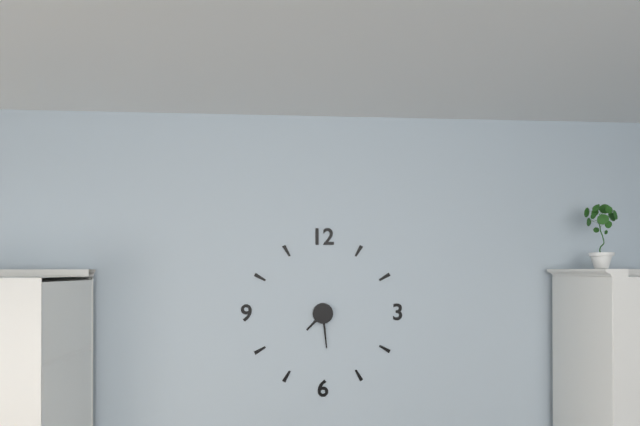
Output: 7h29
